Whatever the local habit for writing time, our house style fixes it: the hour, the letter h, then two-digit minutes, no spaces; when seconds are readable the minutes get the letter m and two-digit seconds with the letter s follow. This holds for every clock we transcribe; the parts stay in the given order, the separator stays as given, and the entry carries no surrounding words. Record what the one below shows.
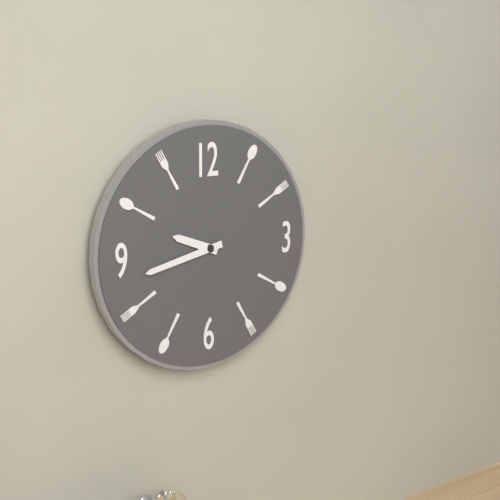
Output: 9h43
